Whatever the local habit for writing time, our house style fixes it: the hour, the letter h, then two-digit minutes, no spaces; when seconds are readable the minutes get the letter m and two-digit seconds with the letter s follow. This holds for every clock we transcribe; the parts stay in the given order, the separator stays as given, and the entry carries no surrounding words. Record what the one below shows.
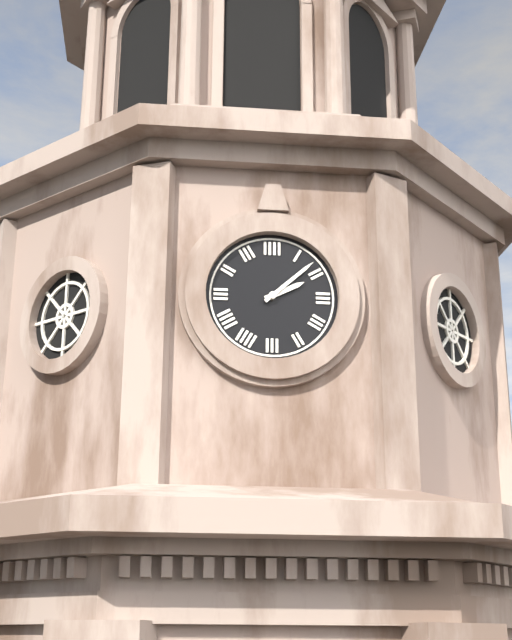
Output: 2h08
